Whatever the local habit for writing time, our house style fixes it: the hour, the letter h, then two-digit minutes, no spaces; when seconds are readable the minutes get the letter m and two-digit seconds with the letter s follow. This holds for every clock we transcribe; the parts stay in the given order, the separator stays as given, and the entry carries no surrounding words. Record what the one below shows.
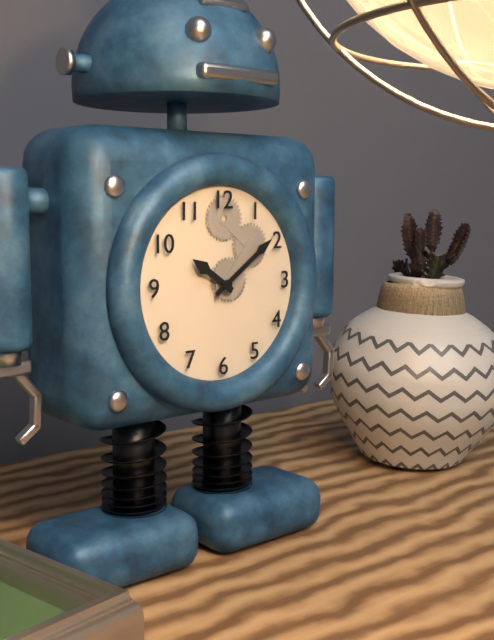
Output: 10h09
